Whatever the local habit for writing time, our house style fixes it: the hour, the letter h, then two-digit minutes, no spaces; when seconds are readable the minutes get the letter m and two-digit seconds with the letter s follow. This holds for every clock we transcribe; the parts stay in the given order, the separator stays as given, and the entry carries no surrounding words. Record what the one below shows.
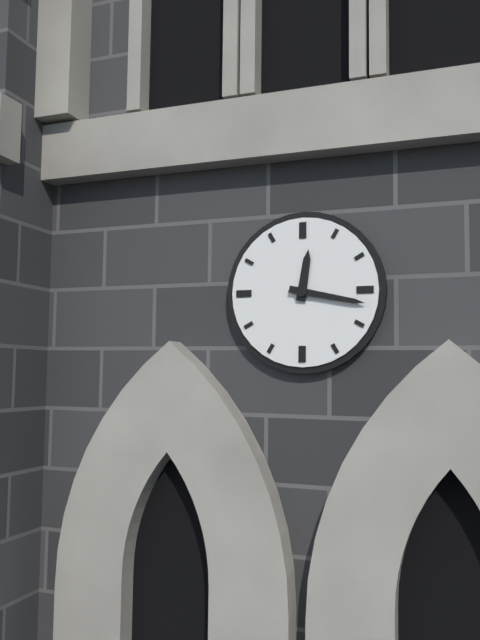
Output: 12h17
